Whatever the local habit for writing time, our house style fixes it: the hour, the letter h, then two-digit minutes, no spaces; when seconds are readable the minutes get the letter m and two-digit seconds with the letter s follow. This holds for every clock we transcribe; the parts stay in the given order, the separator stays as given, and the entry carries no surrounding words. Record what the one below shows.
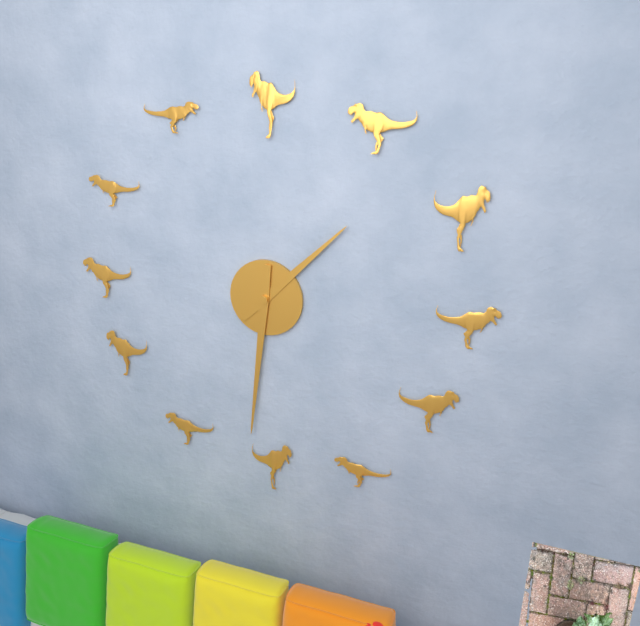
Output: 1h31
